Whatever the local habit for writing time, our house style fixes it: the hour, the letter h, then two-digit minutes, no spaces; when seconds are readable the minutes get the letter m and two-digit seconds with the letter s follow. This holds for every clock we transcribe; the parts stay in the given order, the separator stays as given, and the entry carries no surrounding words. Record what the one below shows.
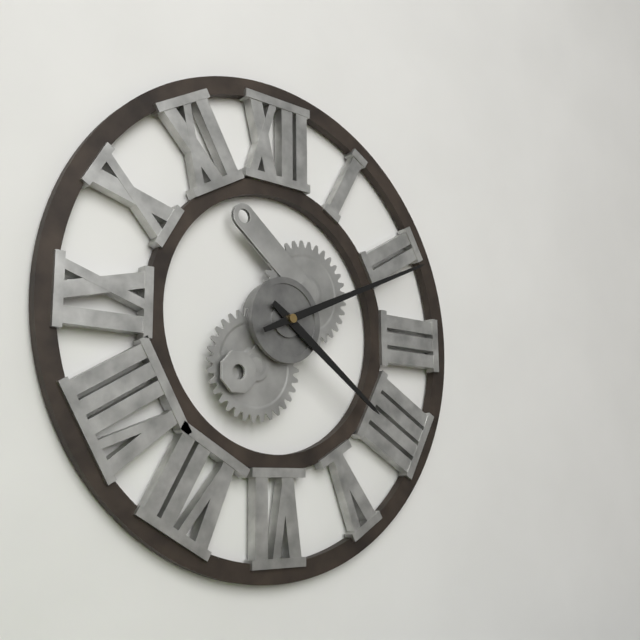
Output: 4h11
